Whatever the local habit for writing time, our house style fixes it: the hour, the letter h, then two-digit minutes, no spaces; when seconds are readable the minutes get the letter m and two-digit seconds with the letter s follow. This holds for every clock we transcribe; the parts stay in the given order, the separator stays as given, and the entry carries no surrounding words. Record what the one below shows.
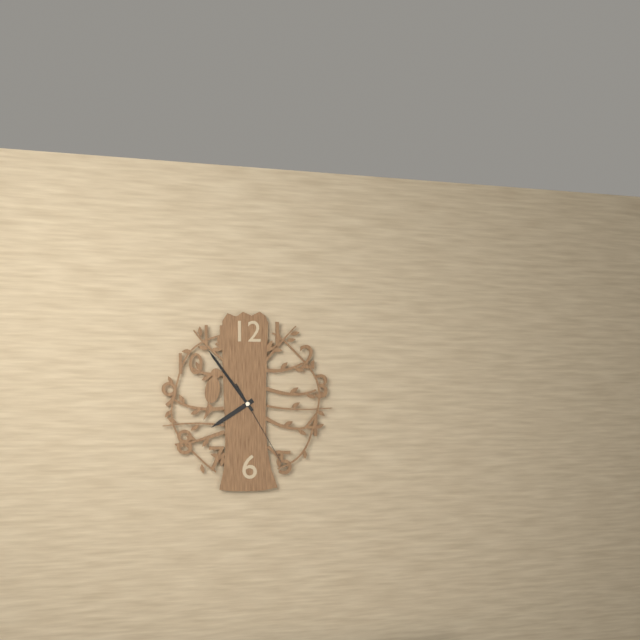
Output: 7h54m25s
